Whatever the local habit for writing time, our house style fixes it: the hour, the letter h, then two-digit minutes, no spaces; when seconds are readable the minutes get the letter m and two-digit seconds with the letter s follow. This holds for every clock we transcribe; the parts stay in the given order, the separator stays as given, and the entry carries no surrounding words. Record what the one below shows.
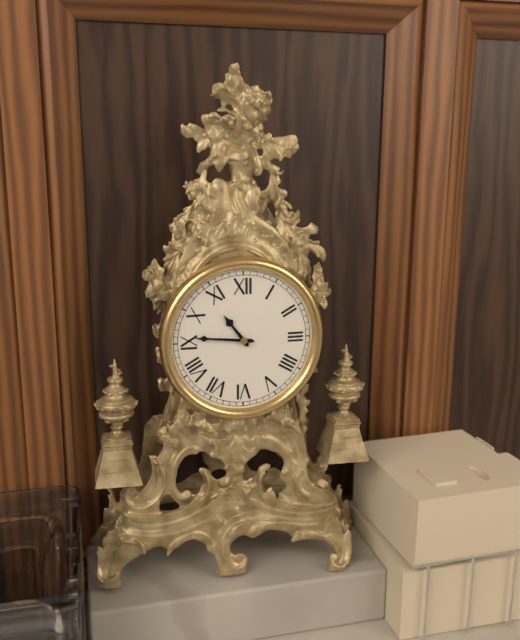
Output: 10h46
